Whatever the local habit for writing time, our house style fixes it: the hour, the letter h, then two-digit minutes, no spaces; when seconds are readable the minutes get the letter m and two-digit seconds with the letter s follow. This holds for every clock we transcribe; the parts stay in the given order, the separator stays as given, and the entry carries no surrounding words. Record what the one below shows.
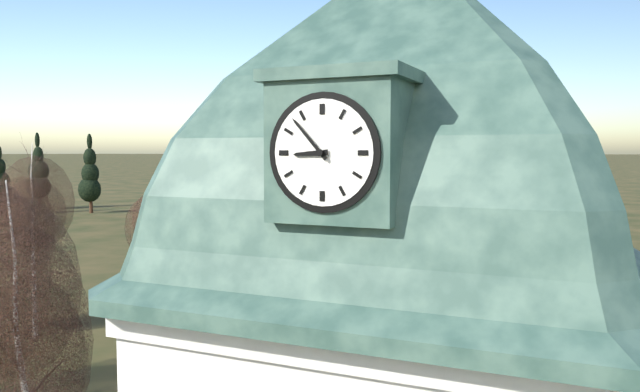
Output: 8h53
